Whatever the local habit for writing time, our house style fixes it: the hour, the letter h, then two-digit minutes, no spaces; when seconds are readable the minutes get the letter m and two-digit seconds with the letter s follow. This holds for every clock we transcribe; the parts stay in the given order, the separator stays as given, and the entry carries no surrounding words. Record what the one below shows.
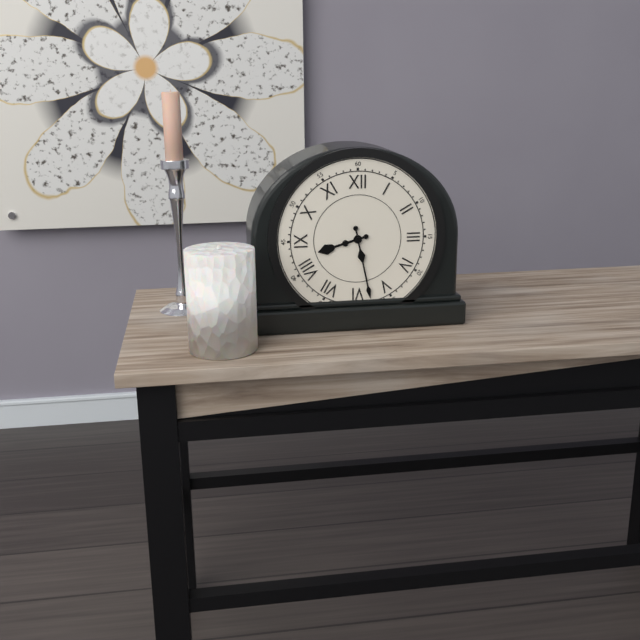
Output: 8h28
